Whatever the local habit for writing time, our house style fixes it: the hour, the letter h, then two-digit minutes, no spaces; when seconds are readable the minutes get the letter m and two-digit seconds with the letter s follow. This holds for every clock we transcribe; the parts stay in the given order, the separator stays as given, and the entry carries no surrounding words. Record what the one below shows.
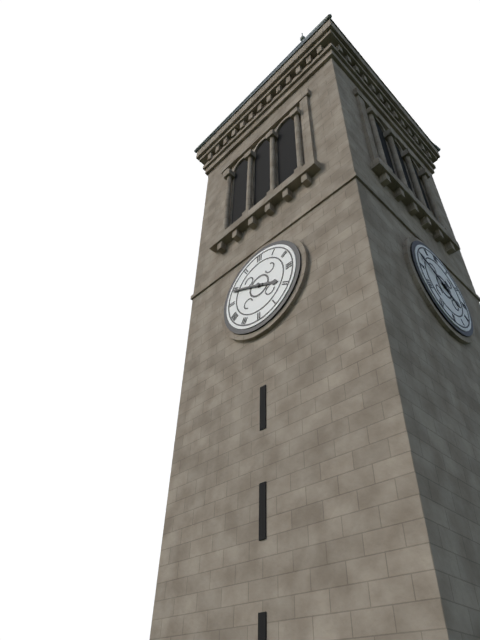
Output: 3h49
